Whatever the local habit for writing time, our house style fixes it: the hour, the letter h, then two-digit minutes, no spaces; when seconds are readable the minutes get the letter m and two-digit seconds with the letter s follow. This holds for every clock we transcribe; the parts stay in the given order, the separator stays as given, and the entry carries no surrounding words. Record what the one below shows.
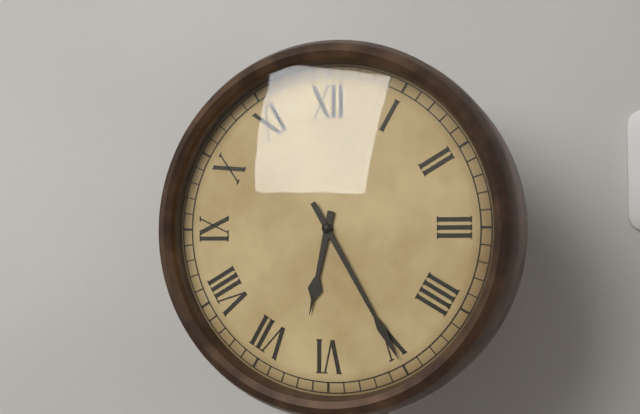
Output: 6h25
